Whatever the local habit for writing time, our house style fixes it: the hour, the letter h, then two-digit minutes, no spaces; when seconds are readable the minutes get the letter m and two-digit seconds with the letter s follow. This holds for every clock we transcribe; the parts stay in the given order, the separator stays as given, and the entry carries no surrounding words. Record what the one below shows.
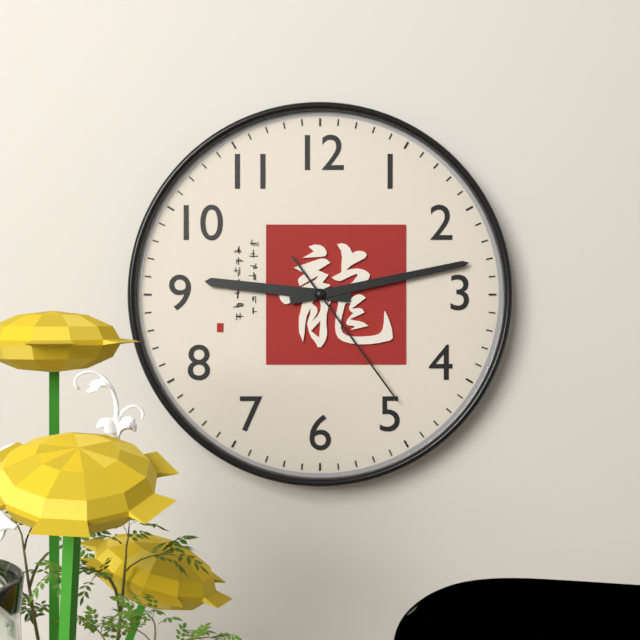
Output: 9h13m24s
